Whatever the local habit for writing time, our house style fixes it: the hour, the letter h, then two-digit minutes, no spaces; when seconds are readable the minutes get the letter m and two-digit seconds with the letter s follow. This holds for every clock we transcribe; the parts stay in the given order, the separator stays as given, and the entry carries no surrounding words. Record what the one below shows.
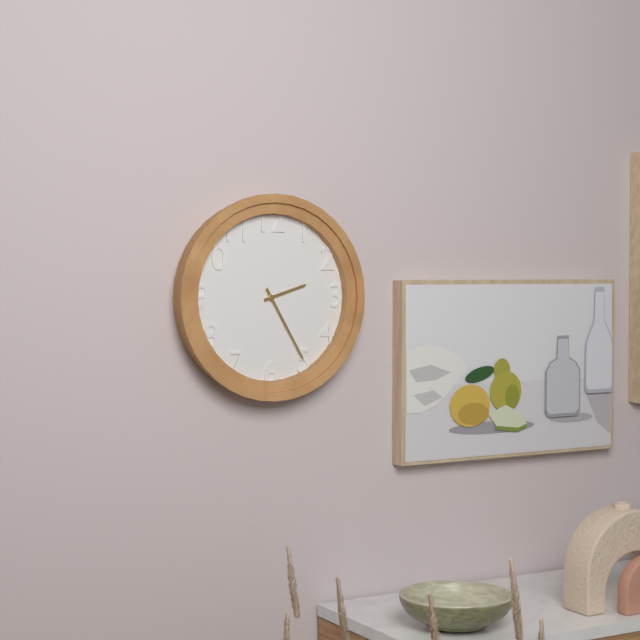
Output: 2h25
